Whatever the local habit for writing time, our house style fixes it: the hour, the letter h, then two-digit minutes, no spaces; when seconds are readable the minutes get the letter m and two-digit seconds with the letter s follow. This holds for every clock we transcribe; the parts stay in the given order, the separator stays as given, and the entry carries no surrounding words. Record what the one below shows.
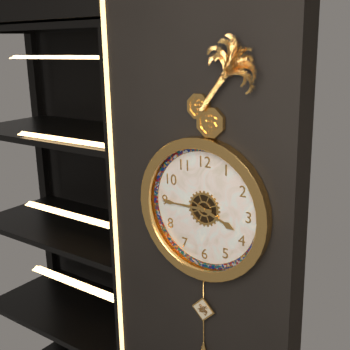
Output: 3h45
